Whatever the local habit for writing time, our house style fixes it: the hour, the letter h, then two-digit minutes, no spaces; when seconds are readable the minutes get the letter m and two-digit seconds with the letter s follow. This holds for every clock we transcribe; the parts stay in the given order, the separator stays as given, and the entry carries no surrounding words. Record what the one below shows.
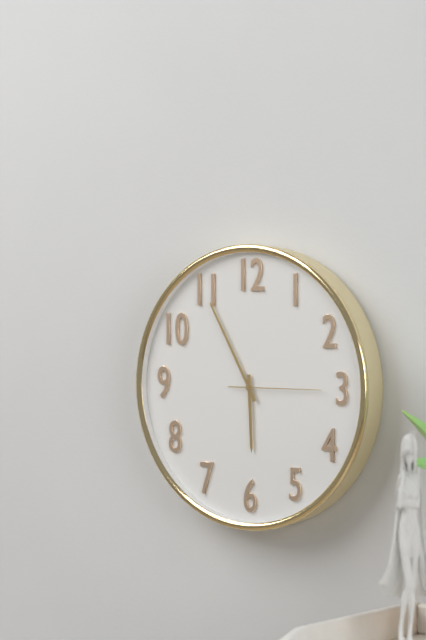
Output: 5h55m15s
